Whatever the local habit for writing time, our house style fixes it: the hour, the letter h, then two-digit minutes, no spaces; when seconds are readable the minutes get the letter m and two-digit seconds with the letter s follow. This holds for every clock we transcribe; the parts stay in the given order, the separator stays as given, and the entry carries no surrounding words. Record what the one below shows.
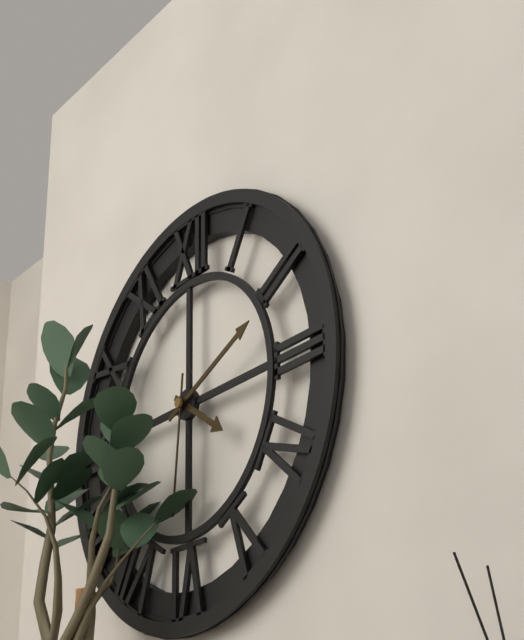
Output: 4h11m31s
